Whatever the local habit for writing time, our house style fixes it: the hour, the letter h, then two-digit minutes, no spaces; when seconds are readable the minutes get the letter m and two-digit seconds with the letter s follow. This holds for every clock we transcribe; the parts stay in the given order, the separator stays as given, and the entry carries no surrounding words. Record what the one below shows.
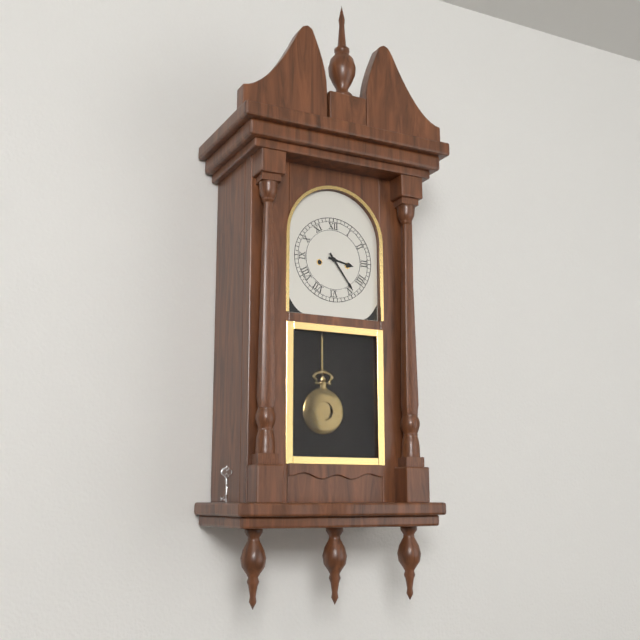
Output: 3h24
